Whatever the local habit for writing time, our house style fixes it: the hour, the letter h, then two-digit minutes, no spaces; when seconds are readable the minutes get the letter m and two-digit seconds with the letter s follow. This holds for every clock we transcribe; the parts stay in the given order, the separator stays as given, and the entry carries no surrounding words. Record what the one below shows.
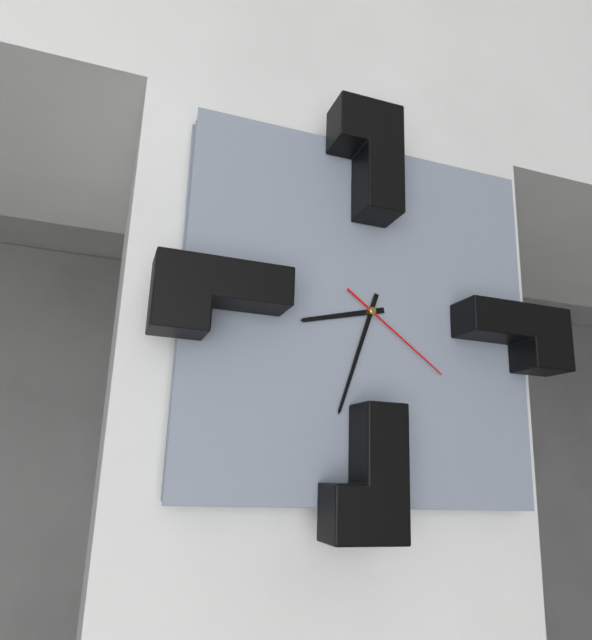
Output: 8h33m21s
